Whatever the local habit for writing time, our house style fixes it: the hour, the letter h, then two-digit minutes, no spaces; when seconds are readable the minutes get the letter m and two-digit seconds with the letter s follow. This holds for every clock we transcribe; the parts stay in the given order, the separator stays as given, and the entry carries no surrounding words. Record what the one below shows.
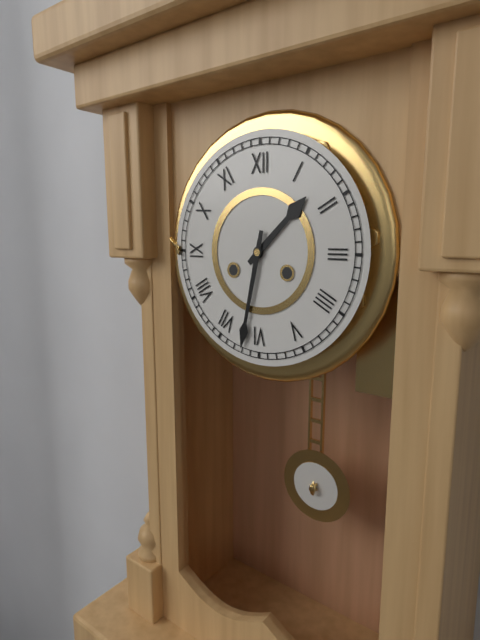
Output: 1h32
